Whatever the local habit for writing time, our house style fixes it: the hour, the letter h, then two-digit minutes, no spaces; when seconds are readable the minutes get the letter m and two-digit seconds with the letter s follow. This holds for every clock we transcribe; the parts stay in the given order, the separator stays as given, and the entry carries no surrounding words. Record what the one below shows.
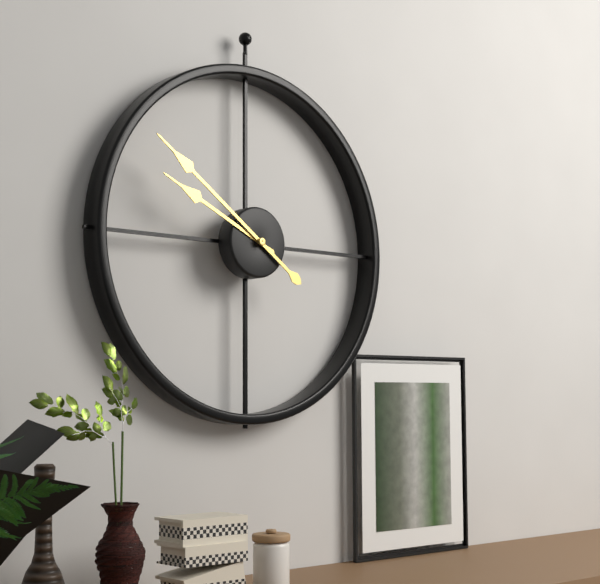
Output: 9h51
